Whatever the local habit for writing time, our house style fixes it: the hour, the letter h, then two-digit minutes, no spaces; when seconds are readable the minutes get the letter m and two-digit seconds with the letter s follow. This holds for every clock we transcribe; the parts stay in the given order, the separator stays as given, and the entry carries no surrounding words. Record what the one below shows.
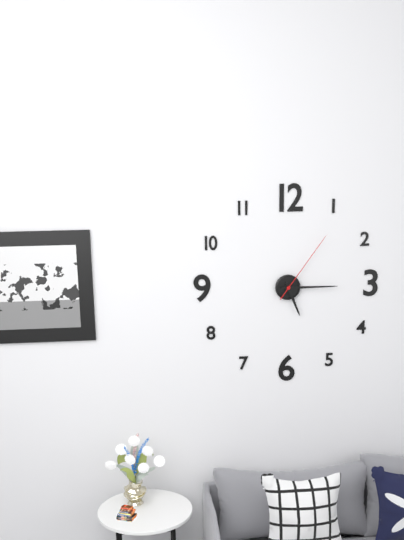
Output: 5h15m06s
